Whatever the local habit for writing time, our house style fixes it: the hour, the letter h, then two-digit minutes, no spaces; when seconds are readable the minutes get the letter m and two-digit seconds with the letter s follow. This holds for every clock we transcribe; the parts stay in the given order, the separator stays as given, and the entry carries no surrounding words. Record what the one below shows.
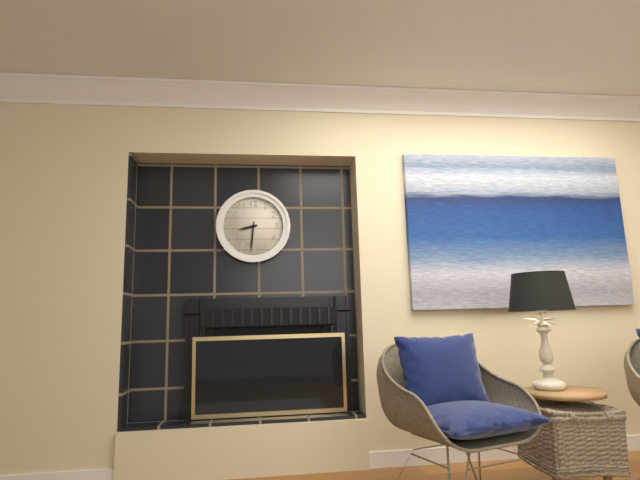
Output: 8h31
